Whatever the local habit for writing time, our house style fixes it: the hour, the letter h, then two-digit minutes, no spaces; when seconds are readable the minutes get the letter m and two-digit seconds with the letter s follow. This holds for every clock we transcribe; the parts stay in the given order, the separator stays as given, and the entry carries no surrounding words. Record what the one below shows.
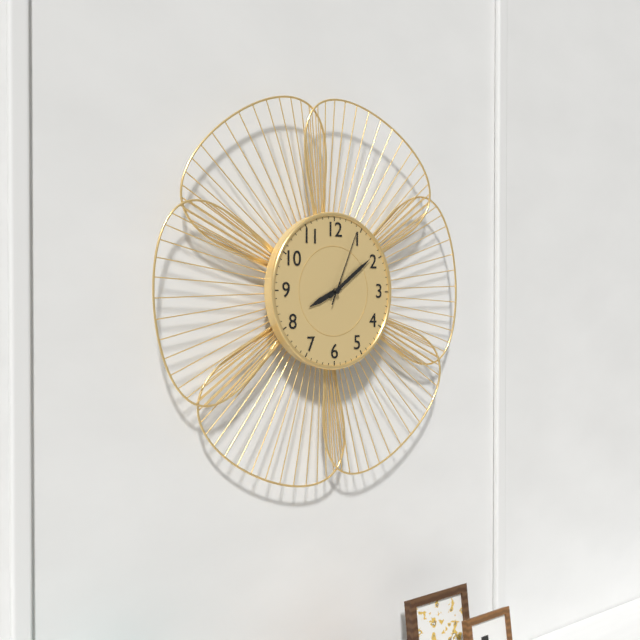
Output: 8h09m04s
